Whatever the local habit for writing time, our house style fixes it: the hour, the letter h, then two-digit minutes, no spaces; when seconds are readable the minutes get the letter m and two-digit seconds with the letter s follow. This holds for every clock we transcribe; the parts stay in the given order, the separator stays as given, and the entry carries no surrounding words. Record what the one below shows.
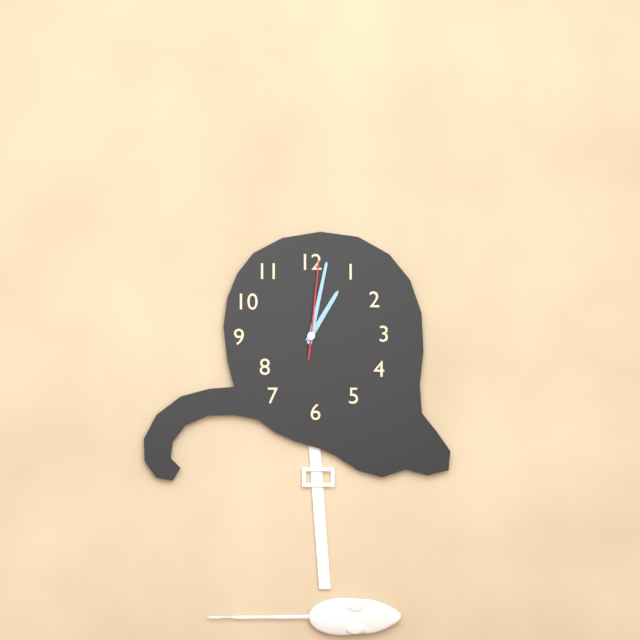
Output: 1h02m01s
